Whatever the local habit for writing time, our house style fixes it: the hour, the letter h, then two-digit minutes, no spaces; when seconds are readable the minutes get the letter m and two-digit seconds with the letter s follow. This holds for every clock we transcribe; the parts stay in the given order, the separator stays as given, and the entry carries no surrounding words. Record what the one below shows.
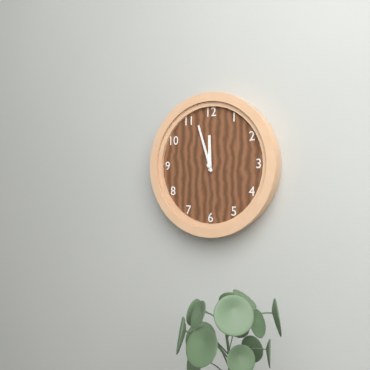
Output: 11h57
